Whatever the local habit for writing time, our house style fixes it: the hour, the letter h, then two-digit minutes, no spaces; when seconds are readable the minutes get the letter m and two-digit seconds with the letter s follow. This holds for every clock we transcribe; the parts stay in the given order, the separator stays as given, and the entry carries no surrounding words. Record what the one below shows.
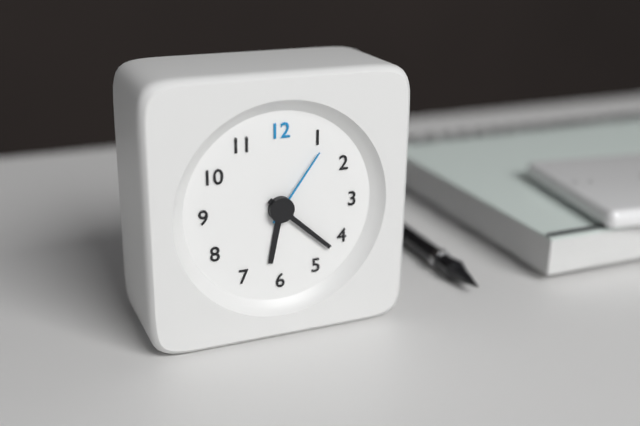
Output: 6h22m06s
